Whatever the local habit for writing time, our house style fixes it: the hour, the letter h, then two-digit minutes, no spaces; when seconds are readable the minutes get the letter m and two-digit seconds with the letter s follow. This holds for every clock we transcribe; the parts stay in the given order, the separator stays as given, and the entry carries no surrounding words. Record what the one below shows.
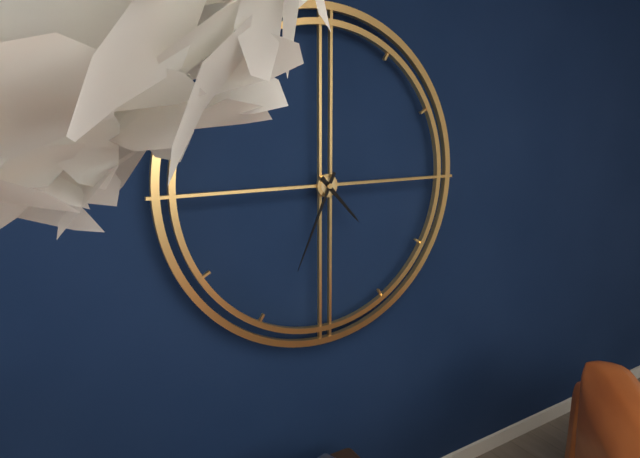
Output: 4h34
